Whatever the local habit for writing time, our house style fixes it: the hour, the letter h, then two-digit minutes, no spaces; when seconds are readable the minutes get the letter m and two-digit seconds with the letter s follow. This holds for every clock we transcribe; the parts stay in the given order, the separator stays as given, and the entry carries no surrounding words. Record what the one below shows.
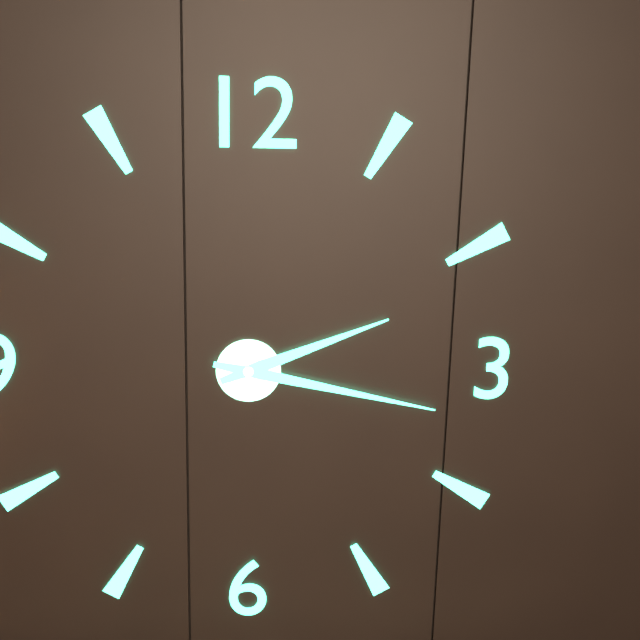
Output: 2h17
